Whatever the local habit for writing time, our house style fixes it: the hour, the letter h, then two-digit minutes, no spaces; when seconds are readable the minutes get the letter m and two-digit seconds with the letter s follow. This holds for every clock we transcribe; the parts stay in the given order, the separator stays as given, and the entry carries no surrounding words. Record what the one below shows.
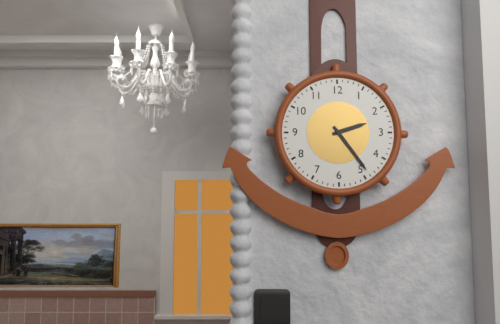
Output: 2h24
